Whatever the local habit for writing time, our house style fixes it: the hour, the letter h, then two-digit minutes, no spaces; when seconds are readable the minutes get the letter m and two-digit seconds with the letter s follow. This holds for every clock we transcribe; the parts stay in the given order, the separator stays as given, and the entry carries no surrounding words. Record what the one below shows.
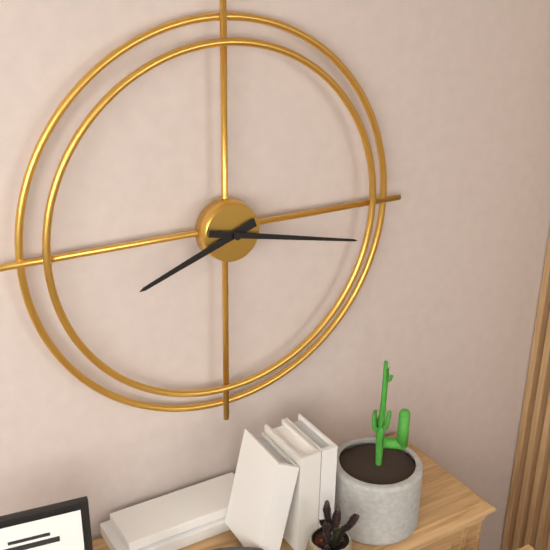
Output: 8h17
